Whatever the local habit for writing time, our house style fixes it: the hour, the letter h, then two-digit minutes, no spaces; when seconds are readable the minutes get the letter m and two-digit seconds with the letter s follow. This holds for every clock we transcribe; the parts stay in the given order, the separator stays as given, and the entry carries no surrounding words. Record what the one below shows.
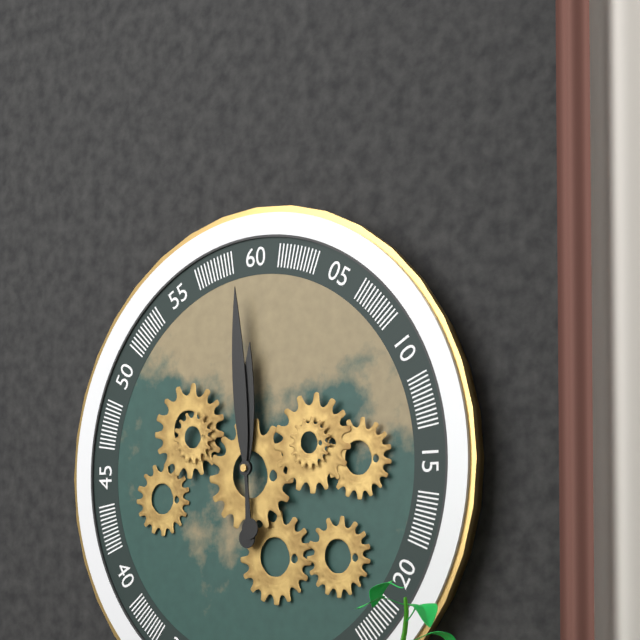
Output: 11h59
